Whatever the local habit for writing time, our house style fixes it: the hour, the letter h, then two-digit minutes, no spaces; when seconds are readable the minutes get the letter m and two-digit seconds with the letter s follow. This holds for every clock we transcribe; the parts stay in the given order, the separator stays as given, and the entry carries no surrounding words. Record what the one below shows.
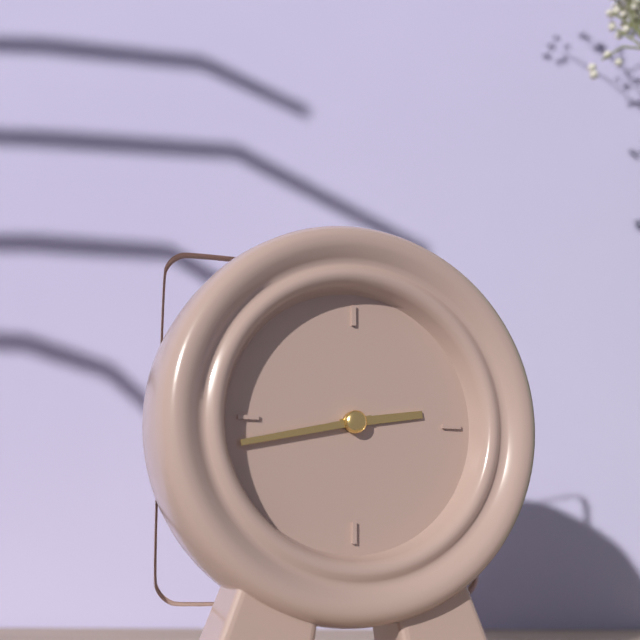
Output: 2h43
